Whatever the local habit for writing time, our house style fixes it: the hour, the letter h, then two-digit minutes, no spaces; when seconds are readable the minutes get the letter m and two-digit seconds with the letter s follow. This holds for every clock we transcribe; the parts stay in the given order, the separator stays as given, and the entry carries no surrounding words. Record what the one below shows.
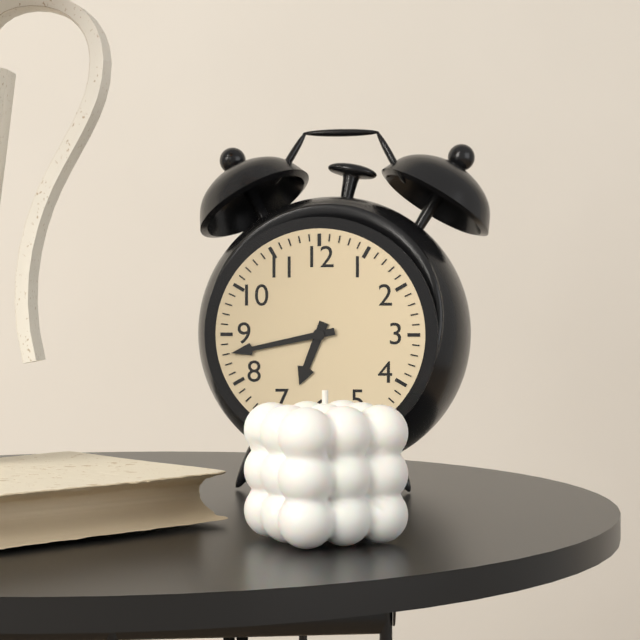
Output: 6h43
